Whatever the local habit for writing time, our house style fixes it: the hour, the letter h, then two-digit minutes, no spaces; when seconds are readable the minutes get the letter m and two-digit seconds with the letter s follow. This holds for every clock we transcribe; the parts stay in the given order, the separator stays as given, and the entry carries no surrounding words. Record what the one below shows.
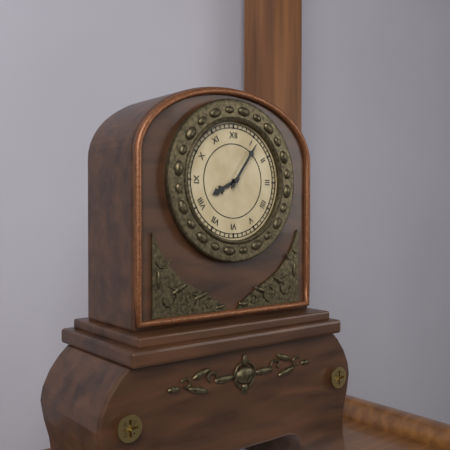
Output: 8h06
